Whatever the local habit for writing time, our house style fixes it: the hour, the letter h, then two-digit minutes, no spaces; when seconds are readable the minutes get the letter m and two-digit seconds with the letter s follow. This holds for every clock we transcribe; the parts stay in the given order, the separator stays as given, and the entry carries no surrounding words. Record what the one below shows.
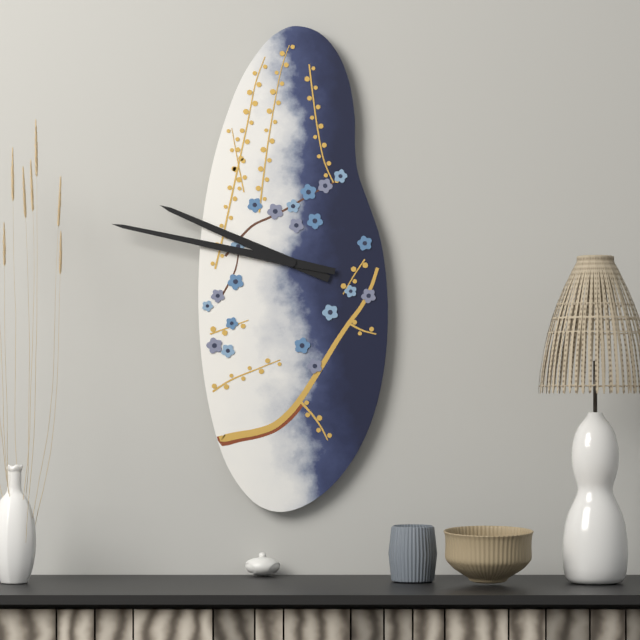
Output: 9h47
